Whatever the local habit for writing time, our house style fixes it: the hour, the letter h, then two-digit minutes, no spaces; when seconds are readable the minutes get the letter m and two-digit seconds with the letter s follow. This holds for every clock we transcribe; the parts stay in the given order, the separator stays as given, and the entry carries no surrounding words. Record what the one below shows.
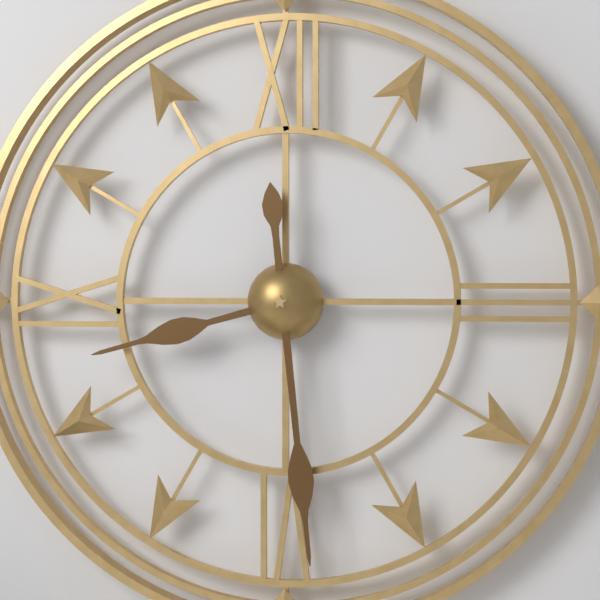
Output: 8h29
